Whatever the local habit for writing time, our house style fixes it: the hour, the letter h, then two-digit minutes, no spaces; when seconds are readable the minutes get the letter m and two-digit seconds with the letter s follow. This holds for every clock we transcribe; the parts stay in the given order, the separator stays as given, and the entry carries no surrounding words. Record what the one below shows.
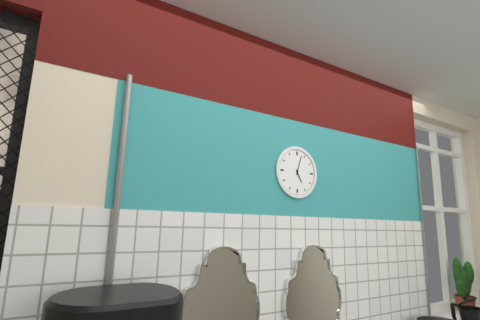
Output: 5h03
